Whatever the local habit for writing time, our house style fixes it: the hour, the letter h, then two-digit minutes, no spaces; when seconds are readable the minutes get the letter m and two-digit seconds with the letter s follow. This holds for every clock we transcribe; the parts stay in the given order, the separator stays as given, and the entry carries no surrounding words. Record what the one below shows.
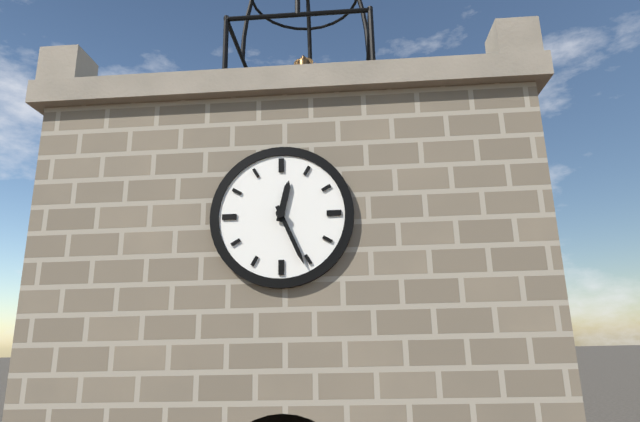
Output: 12h26
